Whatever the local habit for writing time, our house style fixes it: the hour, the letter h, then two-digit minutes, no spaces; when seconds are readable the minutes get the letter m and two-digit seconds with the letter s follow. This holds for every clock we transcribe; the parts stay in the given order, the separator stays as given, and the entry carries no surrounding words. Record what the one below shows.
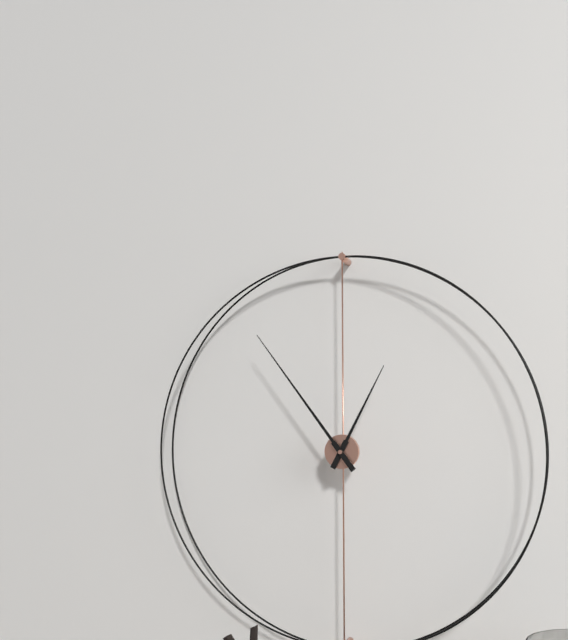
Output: 12h54
